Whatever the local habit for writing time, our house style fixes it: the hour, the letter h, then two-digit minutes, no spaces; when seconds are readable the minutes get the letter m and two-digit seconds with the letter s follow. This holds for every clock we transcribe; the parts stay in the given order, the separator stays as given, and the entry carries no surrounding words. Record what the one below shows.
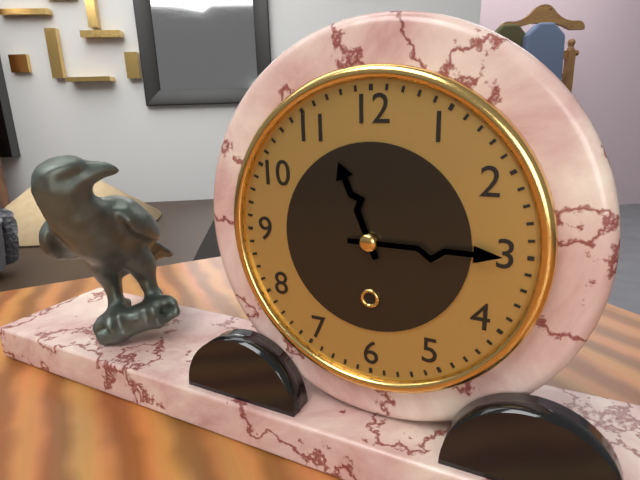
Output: 11h15
